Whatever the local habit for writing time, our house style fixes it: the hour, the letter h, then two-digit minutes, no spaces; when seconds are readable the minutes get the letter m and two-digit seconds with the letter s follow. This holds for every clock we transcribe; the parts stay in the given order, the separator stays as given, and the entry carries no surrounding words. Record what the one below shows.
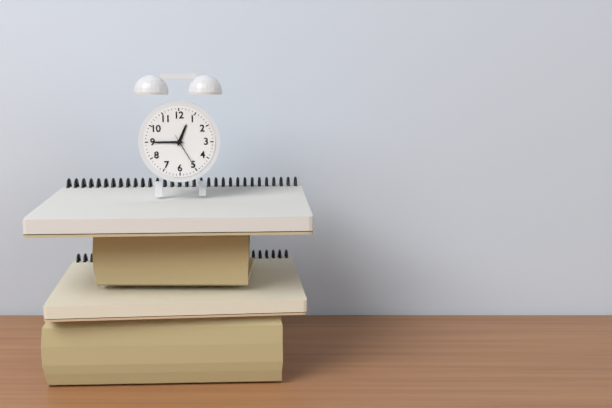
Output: 12h45
